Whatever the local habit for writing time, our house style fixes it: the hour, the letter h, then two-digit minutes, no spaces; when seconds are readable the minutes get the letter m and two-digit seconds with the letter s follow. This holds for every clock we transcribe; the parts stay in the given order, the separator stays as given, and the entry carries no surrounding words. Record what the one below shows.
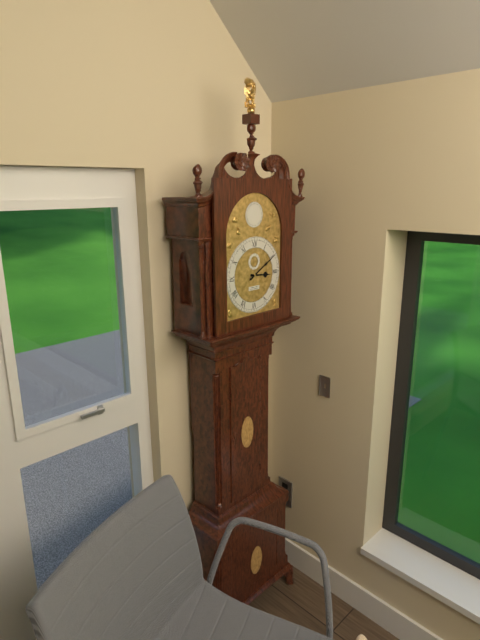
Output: 3h10
